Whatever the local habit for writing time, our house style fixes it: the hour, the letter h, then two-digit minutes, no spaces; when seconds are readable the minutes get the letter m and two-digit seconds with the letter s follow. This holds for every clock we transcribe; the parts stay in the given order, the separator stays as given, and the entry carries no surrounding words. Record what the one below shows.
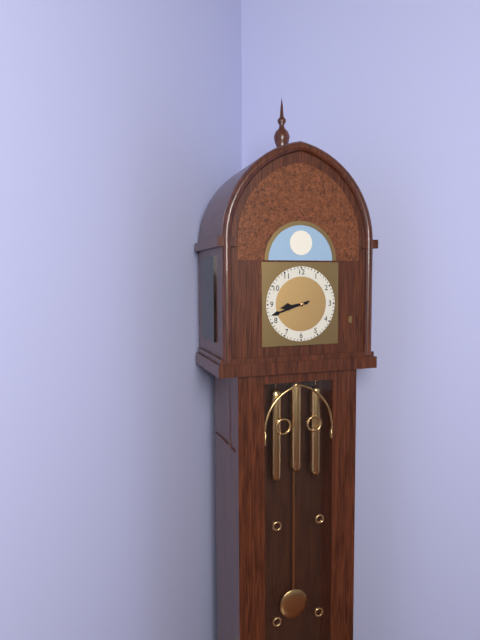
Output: 8h42
